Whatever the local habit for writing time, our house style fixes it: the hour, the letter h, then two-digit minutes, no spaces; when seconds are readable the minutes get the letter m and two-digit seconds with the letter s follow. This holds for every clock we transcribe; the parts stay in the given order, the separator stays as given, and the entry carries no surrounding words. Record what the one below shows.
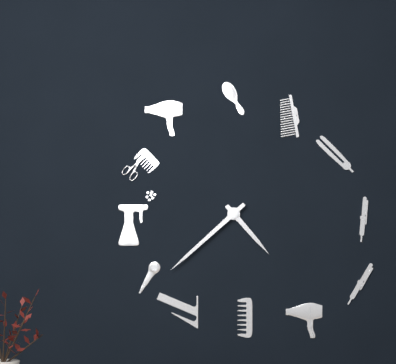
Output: 4h38
